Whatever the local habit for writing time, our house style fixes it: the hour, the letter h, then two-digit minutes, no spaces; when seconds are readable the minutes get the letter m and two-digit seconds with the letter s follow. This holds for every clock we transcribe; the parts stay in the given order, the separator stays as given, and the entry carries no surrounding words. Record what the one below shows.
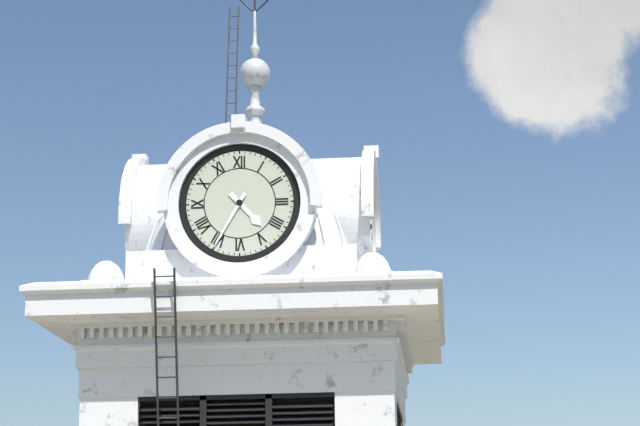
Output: 4h35
